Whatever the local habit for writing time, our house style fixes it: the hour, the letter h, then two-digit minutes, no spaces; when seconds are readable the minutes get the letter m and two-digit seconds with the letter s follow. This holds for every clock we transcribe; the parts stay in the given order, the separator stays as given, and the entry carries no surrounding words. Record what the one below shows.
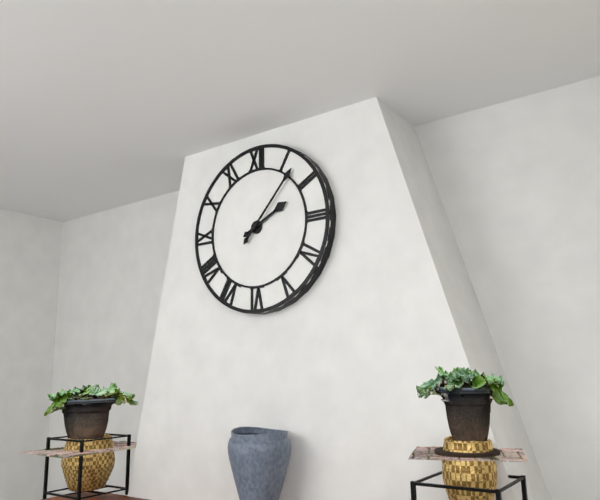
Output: 2h07
